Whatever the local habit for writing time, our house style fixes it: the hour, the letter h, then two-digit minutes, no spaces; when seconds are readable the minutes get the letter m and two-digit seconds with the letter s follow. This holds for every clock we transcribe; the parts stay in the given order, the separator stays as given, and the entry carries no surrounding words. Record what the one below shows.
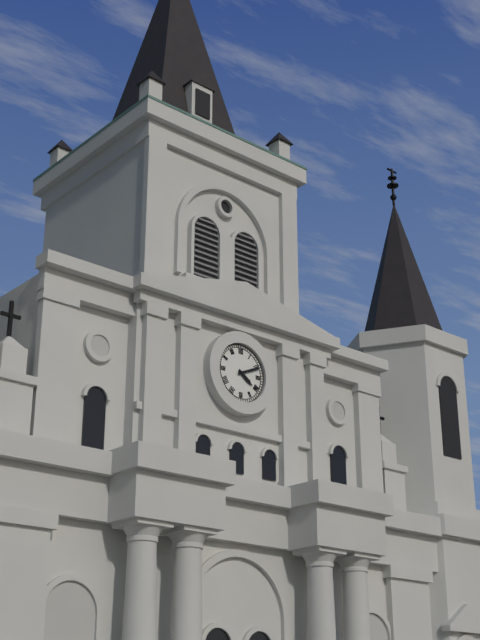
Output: 4h11
